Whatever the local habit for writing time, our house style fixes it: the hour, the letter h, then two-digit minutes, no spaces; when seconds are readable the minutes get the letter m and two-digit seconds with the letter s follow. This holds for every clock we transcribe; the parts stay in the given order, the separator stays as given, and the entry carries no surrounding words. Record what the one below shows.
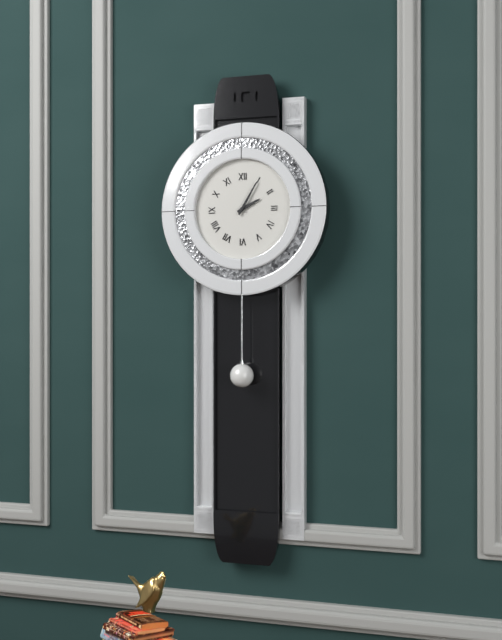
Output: 2h05
